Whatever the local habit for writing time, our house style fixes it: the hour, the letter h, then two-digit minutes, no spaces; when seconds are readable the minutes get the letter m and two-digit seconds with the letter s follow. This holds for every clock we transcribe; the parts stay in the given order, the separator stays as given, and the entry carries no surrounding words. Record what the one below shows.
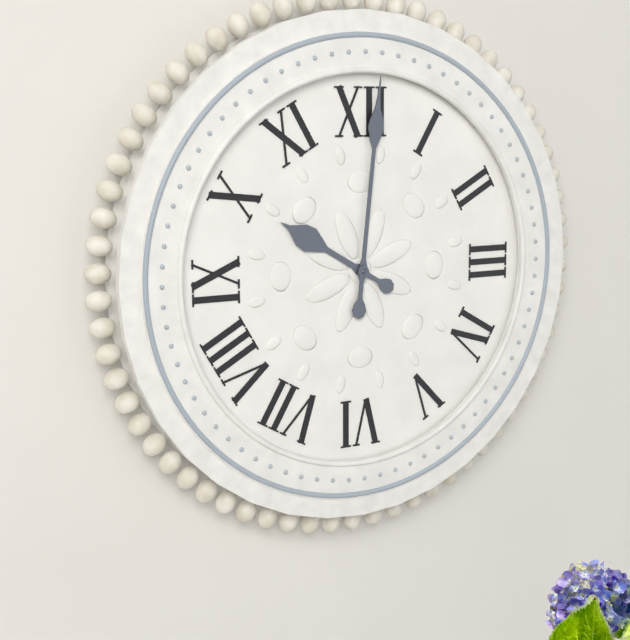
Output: 10h01
